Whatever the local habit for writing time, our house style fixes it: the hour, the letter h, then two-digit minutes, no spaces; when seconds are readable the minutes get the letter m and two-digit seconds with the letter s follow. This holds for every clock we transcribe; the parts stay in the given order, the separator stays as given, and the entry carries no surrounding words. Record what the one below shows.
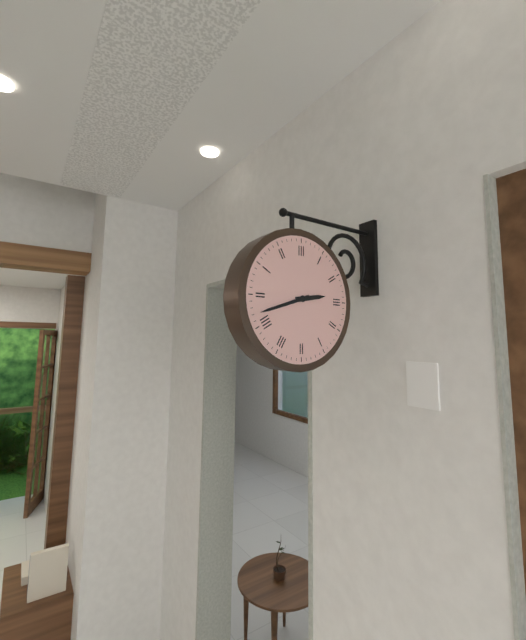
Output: 2h42
